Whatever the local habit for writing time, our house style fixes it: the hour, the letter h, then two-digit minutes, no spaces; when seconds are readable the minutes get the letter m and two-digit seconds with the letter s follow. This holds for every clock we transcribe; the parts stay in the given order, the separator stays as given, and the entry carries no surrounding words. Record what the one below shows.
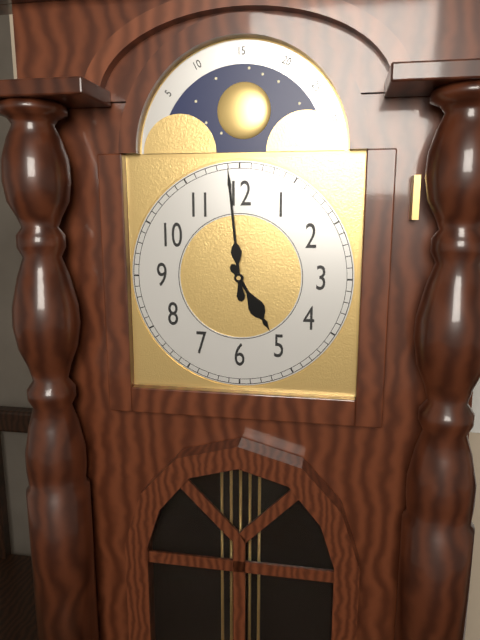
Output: 4h59
